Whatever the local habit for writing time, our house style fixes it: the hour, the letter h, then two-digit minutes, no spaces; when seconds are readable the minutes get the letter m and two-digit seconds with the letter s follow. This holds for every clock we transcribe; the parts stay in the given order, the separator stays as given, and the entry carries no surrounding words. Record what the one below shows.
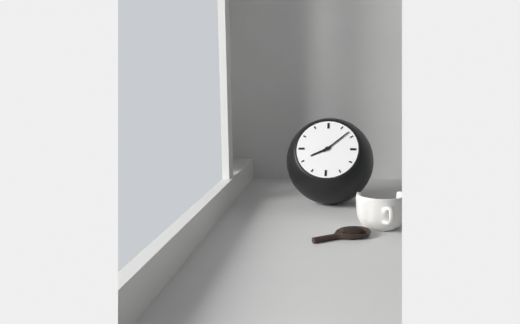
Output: 8h08
